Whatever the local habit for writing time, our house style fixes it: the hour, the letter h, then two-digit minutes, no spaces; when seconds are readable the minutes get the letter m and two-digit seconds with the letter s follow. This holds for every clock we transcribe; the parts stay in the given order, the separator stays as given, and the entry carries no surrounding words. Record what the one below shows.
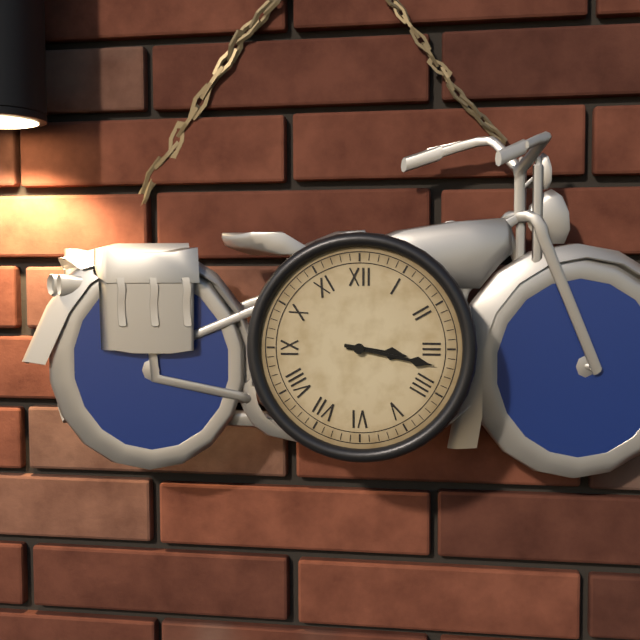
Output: 3h17
